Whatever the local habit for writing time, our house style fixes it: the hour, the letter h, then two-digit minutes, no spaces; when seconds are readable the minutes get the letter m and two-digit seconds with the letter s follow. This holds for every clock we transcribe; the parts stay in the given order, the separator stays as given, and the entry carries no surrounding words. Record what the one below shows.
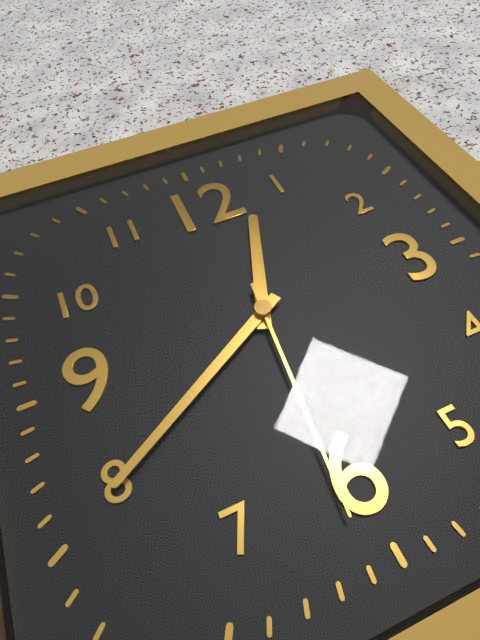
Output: 12h40m31s
